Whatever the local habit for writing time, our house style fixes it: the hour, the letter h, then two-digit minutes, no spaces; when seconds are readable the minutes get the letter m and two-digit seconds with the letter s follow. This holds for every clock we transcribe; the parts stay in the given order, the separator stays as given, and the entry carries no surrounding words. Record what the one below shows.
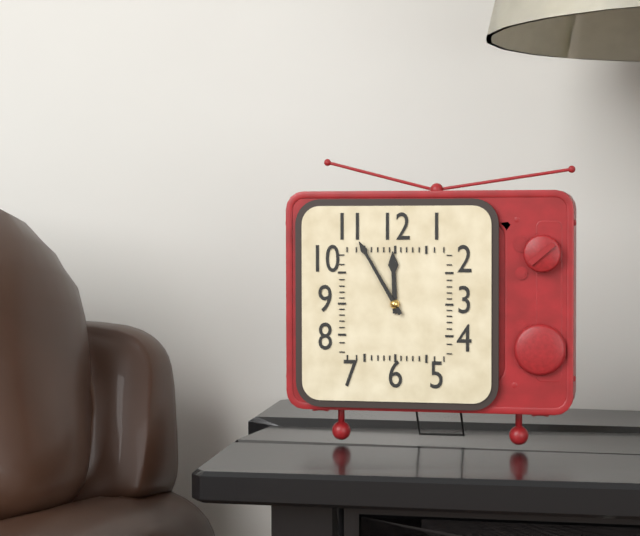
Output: 11h55
